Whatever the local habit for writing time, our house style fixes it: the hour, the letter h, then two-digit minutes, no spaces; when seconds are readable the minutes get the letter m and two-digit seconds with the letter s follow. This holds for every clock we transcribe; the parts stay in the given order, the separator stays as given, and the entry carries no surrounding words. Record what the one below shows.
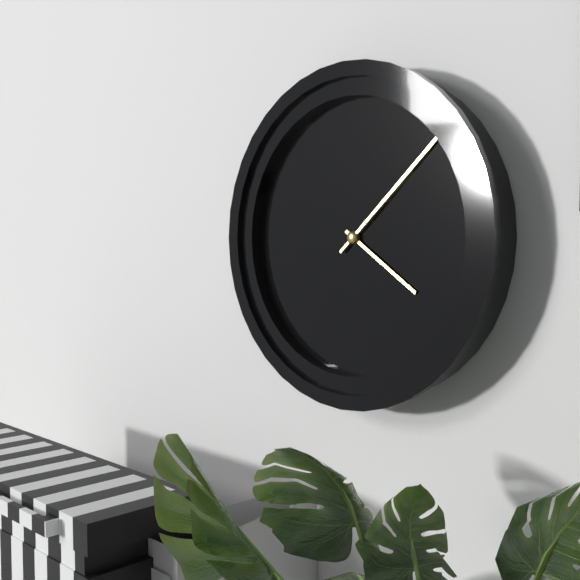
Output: 4h08
